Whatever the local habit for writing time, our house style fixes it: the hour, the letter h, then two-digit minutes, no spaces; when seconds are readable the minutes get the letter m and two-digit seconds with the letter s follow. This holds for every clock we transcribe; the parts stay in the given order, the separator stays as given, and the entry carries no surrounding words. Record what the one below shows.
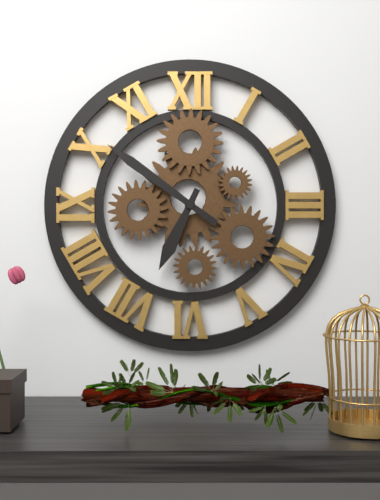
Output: 6h51
